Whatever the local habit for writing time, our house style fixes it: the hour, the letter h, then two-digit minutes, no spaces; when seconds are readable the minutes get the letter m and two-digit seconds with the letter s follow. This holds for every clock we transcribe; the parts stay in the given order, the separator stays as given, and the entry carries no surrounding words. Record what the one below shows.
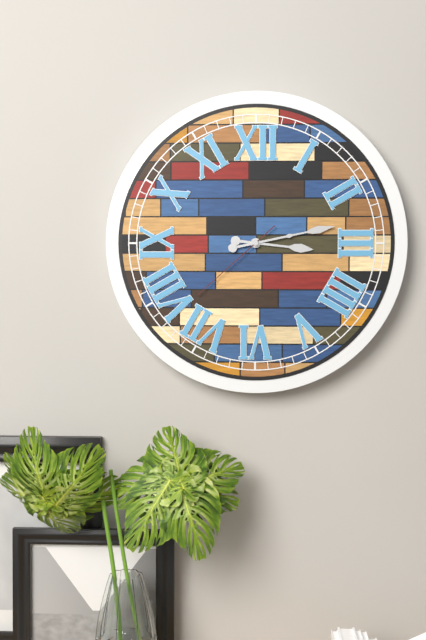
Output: 3h13m38s
